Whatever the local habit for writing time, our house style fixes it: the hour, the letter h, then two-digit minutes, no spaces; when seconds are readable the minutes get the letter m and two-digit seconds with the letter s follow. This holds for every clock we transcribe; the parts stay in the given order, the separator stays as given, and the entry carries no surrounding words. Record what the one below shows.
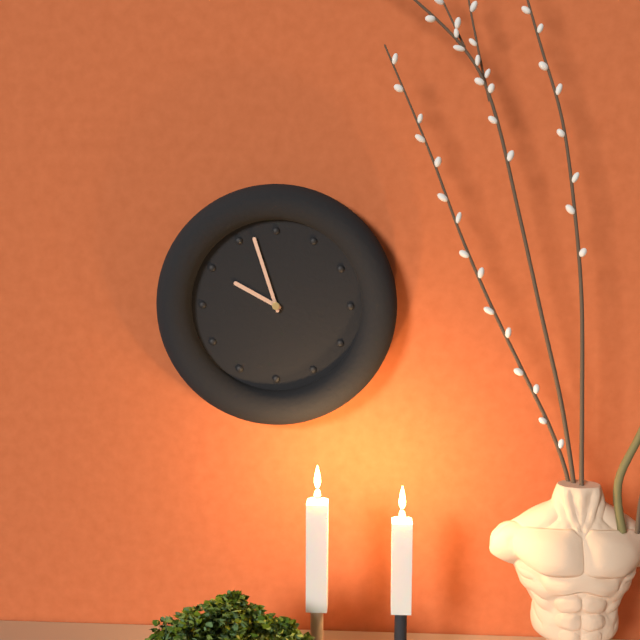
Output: 9h57
